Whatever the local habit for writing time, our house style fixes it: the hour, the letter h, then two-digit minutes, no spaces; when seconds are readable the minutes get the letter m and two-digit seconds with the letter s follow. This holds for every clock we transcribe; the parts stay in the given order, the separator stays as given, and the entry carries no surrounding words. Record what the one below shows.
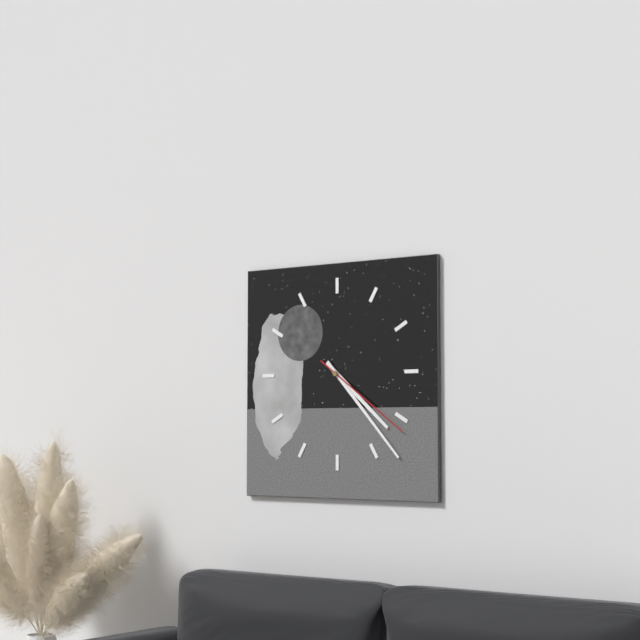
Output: 4h23m21s
